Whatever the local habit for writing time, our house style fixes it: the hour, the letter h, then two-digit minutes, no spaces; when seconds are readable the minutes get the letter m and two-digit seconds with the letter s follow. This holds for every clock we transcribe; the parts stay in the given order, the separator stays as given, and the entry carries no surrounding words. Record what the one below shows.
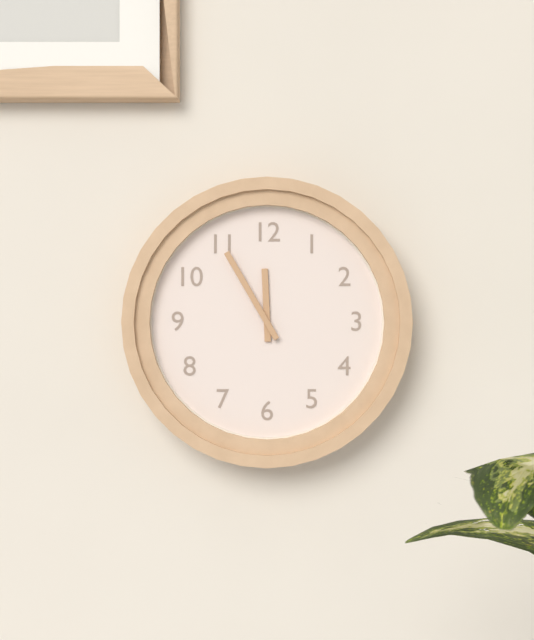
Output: 11h55
